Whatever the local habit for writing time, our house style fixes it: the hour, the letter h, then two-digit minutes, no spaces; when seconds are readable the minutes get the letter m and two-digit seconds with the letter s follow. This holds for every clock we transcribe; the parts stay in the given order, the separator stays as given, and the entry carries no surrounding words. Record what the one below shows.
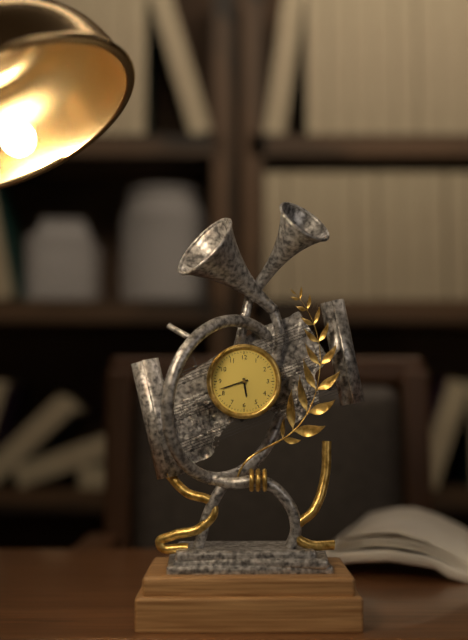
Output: 5h42
